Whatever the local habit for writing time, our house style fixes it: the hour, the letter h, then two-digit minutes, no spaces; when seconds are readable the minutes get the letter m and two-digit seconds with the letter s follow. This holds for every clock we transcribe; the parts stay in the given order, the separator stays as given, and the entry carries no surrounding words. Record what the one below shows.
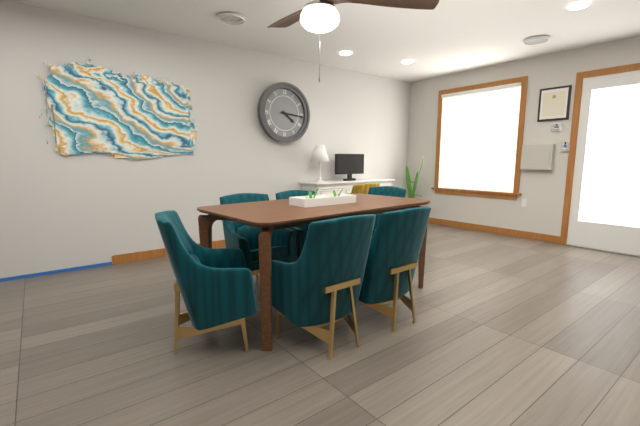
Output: 4h16
